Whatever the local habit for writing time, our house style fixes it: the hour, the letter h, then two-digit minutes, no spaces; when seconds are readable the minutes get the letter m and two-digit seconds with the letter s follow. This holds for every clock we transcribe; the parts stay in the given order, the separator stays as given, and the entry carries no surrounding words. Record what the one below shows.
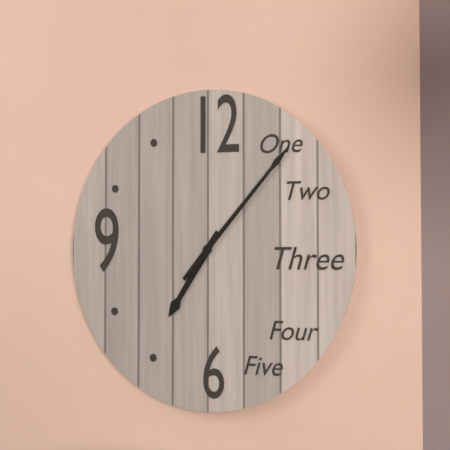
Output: 7h07
